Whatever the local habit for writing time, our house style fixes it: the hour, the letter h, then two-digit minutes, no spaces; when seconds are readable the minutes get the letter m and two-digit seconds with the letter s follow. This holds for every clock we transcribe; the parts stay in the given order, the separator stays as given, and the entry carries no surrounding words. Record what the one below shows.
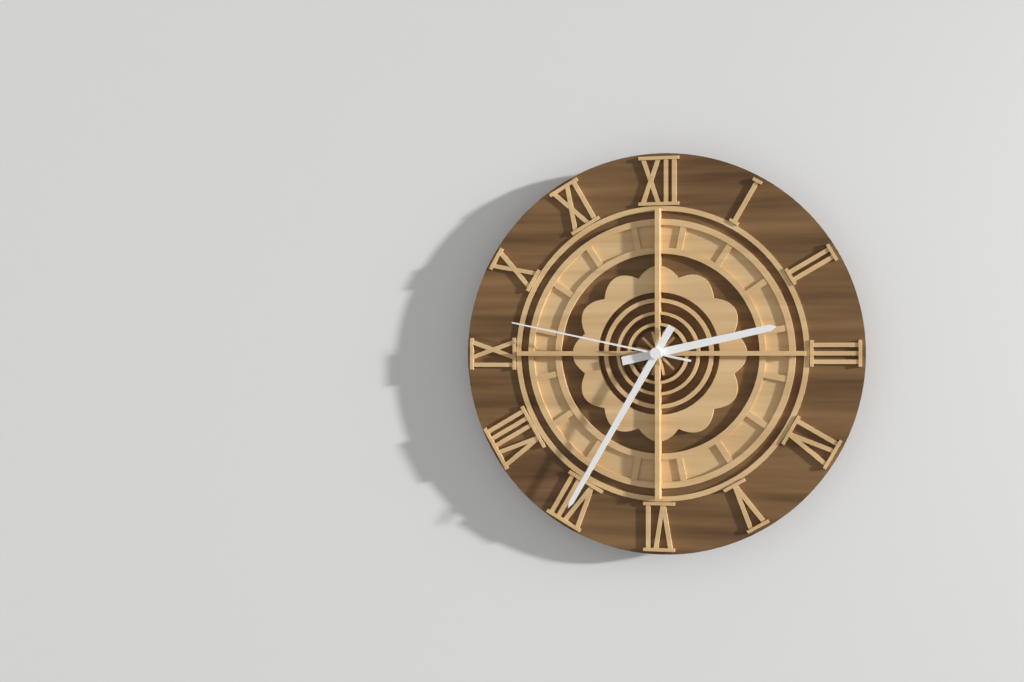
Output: 2h35m47s
